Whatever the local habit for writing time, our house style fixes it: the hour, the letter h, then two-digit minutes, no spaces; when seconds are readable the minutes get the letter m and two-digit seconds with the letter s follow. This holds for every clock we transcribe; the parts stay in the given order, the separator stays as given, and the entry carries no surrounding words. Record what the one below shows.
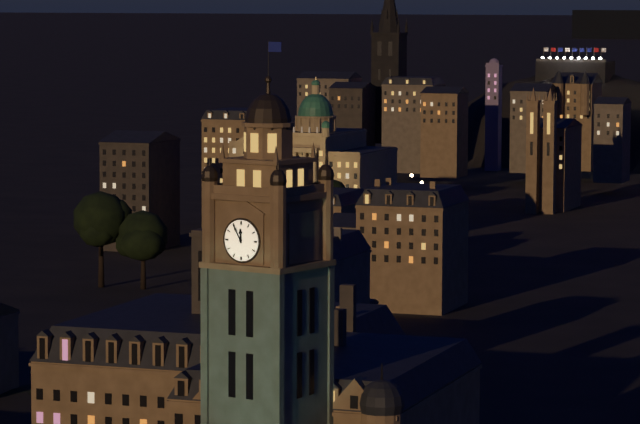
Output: 11h55
